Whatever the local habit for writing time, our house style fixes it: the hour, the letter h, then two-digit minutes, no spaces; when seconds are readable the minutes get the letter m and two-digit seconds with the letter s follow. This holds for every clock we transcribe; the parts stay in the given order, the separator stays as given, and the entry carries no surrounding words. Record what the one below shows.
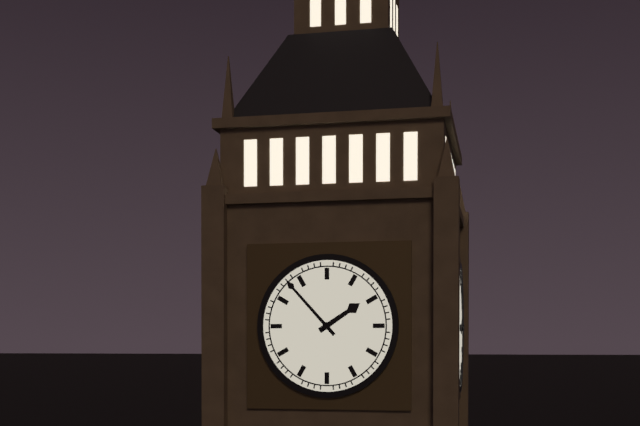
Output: 1h53
